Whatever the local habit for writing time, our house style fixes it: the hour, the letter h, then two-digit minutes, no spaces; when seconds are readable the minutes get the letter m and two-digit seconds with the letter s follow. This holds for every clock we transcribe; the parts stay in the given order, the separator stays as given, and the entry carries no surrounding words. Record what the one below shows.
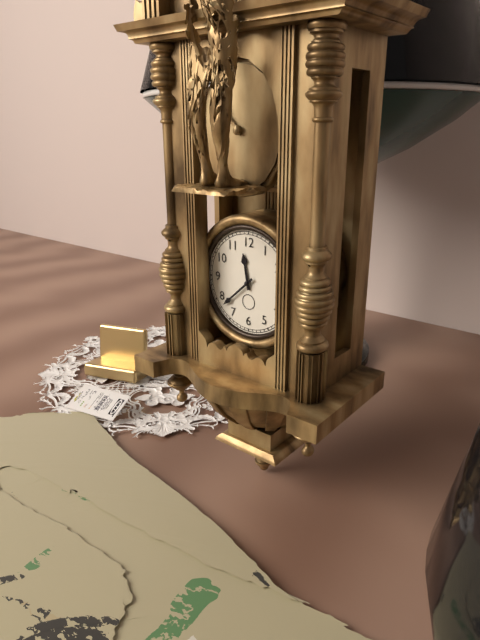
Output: 11h38
